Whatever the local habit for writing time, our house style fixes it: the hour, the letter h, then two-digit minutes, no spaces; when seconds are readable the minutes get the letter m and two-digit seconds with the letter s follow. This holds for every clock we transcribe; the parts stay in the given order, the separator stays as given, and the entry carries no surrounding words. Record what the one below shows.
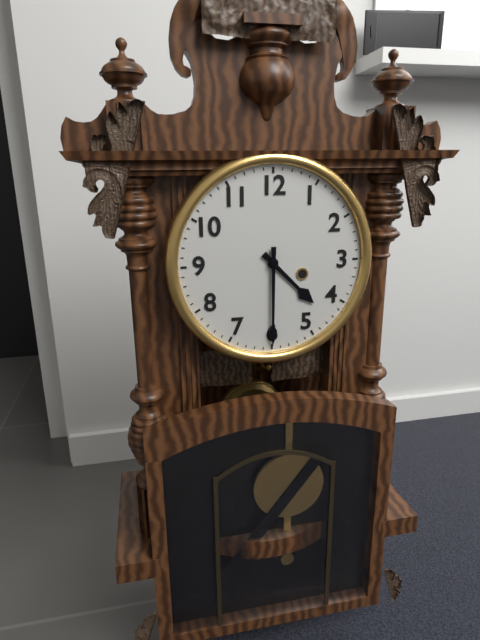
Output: 4h30
